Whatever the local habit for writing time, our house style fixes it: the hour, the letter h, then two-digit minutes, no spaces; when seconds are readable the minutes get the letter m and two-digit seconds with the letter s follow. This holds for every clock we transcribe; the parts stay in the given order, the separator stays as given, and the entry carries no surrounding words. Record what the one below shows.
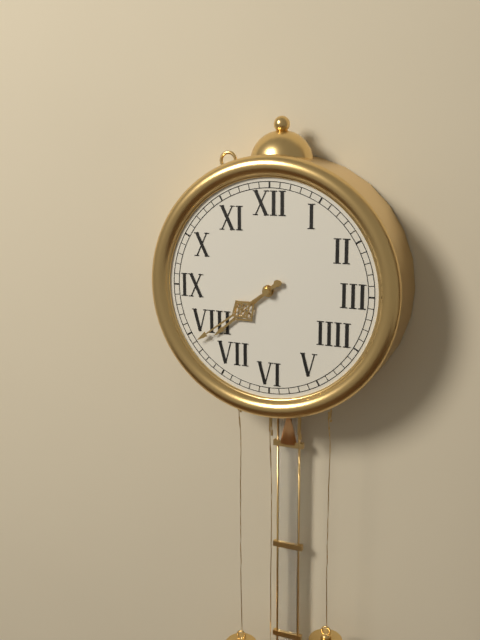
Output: 7h39
